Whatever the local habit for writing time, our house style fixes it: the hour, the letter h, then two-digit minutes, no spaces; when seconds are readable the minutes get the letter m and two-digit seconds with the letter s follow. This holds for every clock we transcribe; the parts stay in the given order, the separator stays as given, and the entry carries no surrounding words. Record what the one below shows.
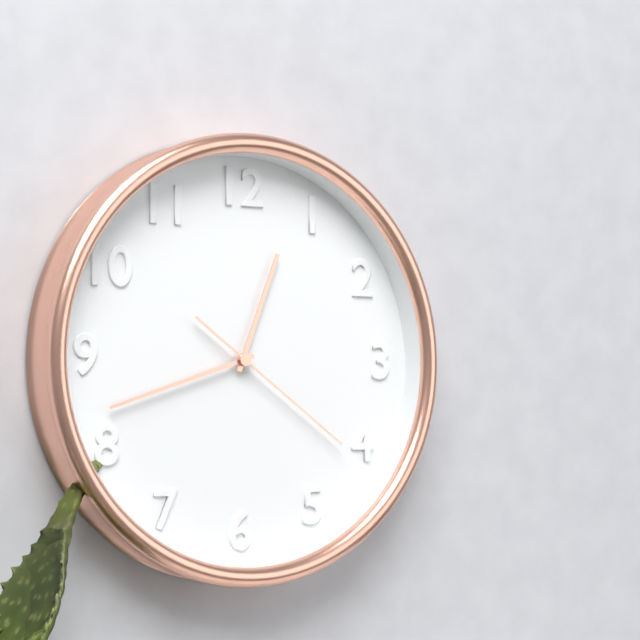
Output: 12h42m21s
